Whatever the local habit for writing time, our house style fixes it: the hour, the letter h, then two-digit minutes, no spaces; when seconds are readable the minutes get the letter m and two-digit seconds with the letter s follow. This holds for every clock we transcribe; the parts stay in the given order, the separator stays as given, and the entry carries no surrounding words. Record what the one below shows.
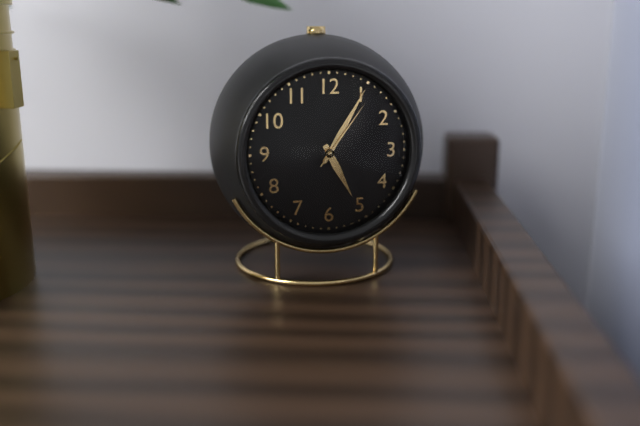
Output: 5h05m06s
